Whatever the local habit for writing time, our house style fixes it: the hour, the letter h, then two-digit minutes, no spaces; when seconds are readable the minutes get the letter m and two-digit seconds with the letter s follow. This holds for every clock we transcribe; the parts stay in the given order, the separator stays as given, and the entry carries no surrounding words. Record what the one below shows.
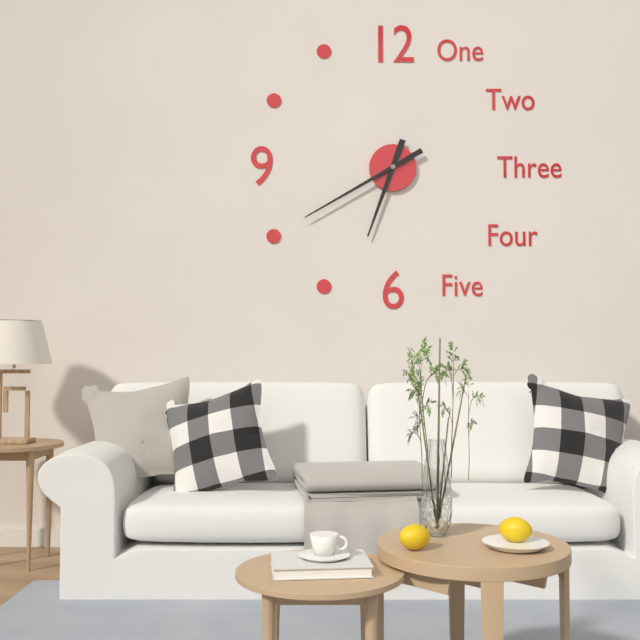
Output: 6h40
